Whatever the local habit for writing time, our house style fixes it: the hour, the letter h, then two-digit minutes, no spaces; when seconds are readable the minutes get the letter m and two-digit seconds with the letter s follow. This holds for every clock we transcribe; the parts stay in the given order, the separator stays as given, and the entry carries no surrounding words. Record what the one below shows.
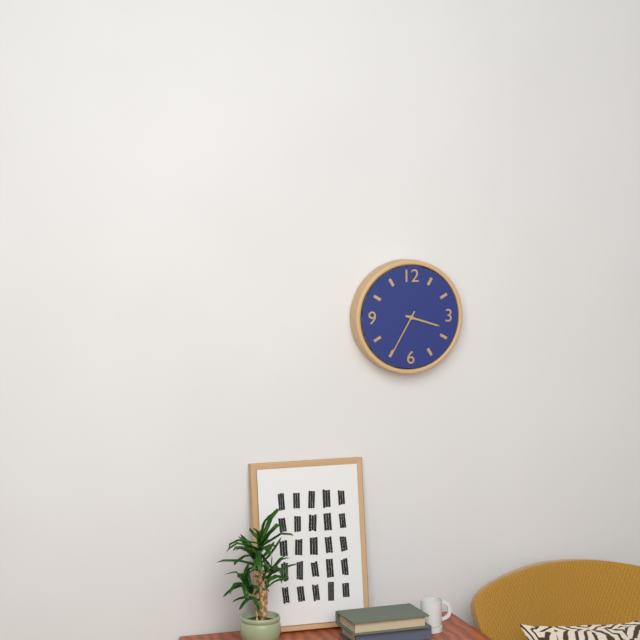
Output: 3h35
